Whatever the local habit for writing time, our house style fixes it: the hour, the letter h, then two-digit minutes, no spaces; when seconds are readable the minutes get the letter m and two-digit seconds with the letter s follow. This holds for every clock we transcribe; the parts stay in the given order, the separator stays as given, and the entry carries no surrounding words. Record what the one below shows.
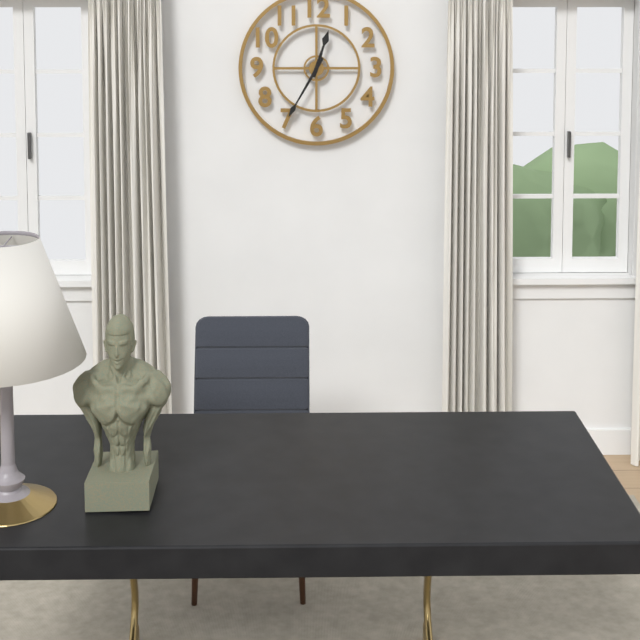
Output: 12h35
